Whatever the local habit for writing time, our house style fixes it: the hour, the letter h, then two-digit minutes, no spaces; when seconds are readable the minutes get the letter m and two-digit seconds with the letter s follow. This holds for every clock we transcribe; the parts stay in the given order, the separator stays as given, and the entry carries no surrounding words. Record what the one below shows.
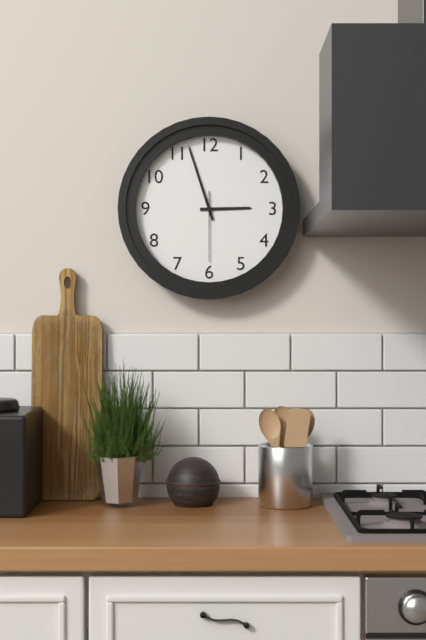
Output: 2h57m30s
